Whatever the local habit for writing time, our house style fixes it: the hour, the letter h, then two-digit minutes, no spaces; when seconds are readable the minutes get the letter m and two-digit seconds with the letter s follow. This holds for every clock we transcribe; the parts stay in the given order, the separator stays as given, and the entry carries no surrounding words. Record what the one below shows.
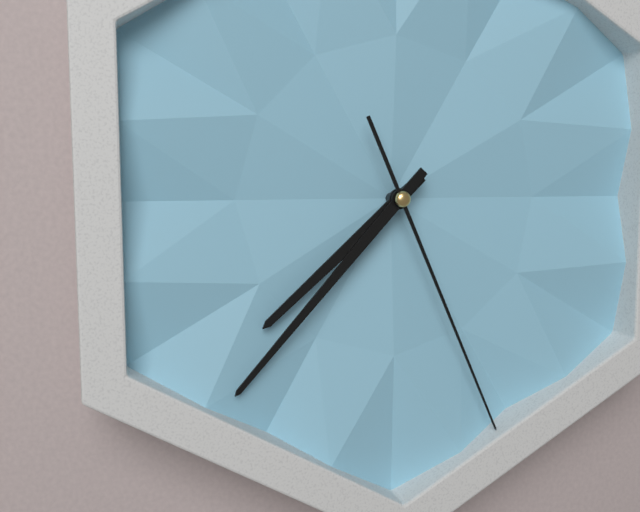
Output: 7h37m26s
